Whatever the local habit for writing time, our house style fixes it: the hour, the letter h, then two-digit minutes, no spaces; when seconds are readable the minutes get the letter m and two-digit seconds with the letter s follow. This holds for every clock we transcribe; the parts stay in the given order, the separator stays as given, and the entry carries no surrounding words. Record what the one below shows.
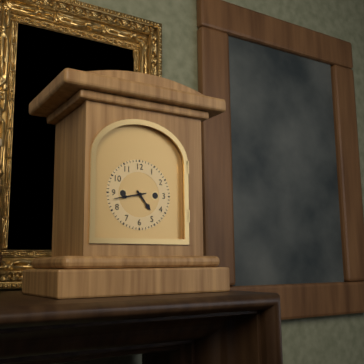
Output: 4h43
